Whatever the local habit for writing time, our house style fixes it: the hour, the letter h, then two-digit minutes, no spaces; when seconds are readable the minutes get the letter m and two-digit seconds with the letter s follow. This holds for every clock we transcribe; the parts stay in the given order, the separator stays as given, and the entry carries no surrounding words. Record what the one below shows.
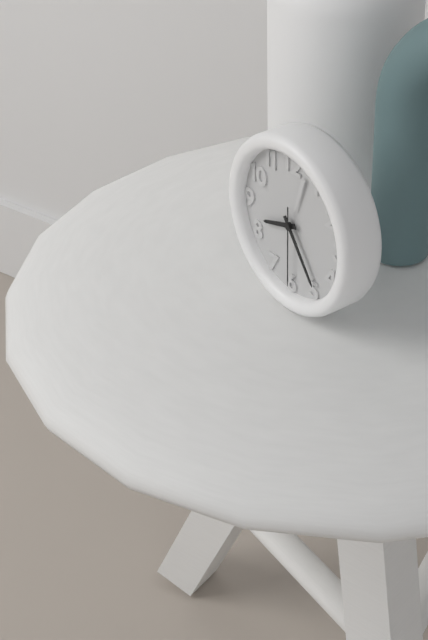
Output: 8h24m30s
